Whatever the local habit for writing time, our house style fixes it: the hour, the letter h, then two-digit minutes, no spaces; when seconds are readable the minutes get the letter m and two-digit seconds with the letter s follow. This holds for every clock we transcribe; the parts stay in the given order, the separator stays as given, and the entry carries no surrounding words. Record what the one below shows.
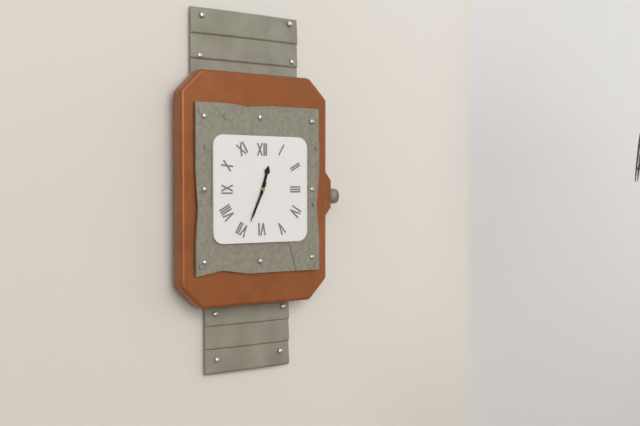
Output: 12h34
